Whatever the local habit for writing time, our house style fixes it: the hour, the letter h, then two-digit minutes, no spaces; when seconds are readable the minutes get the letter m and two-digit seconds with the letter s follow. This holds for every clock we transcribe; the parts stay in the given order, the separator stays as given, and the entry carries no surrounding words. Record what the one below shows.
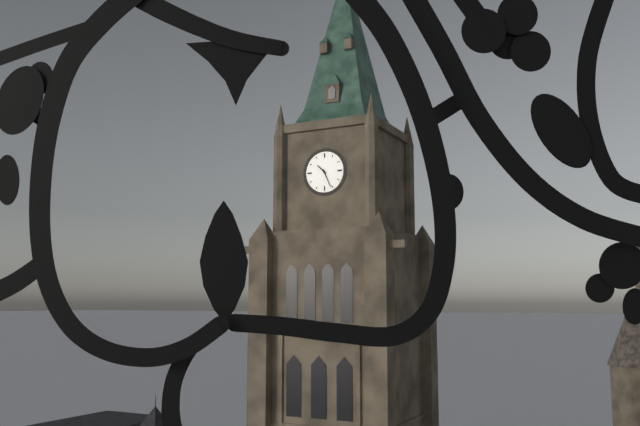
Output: 10h26
